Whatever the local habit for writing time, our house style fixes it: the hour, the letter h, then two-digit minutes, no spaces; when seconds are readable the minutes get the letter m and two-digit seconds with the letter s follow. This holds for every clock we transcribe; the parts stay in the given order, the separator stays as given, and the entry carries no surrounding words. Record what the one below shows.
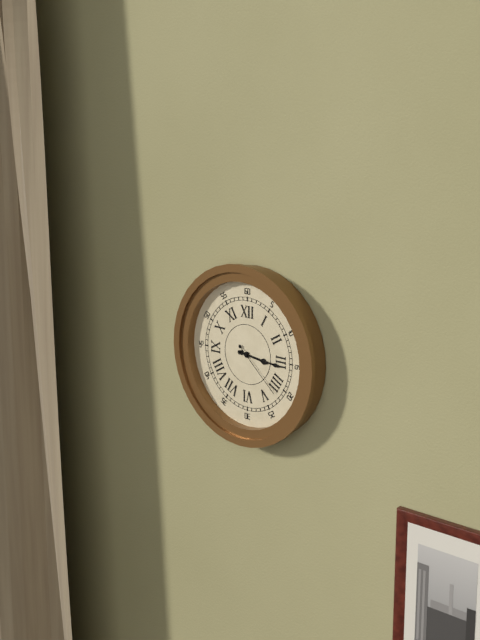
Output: 3h16m22s
